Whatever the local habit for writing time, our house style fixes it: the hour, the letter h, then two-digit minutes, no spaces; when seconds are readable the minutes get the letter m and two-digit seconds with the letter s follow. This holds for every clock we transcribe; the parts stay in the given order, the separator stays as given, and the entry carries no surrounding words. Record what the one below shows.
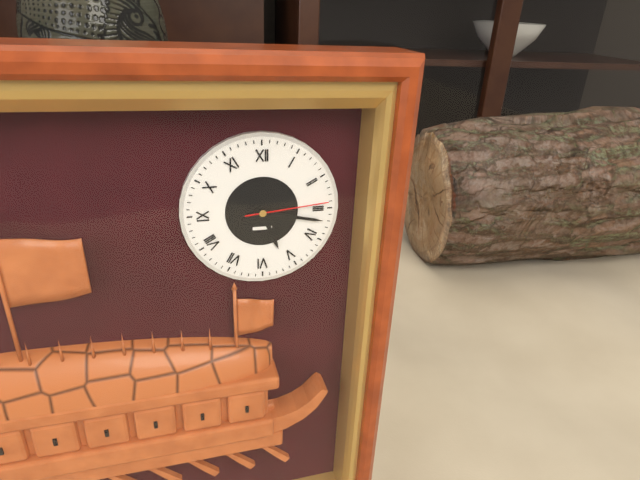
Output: 5h17m14s
